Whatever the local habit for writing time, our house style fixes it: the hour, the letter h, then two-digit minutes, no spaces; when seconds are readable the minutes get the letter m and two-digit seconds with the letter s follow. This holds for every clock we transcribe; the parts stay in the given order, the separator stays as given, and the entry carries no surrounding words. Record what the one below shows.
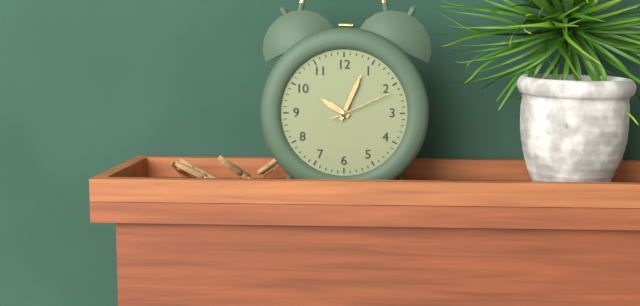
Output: 10h04m11s
